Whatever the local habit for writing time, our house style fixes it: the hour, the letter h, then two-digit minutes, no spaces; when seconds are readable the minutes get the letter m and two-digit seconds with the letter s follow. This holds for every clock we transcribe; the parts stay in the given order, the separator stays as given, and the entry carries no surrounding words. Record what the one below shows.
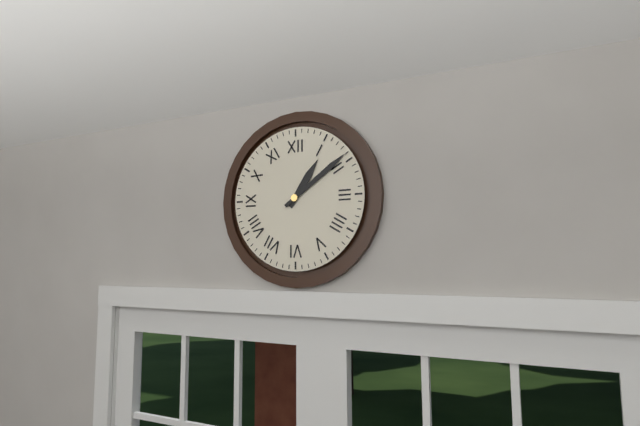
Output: 1h09
